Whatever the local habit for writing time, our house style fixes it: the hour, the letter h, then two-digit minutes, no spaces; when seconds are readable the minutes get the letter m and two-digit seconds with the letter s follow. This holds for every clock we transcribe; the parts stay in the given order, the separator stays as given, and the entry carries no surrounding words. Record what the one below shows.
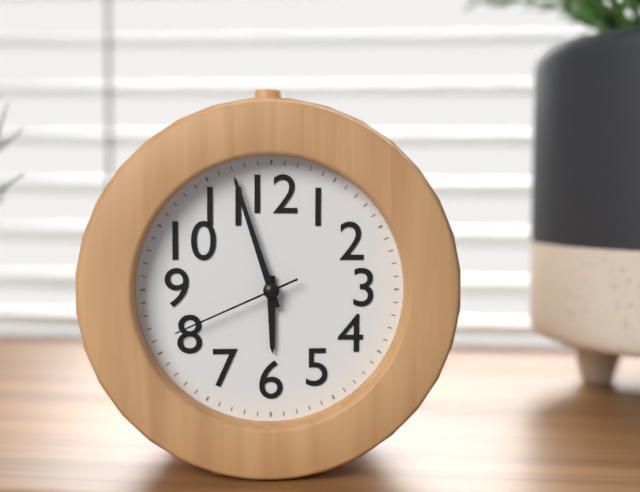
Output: 5h57m41s
